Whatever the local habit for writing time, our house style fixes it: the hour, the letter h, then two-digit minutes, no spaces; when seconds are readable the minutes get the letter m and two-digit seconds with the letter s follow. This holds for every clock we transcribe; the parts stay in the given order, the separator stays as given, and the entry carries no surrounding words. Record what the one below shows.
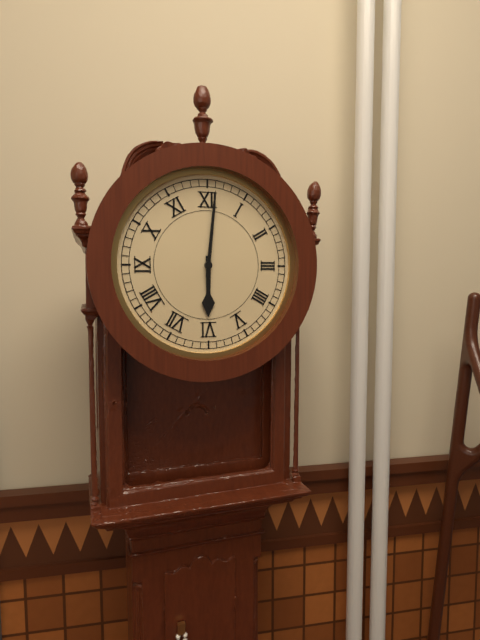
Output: 6h01
